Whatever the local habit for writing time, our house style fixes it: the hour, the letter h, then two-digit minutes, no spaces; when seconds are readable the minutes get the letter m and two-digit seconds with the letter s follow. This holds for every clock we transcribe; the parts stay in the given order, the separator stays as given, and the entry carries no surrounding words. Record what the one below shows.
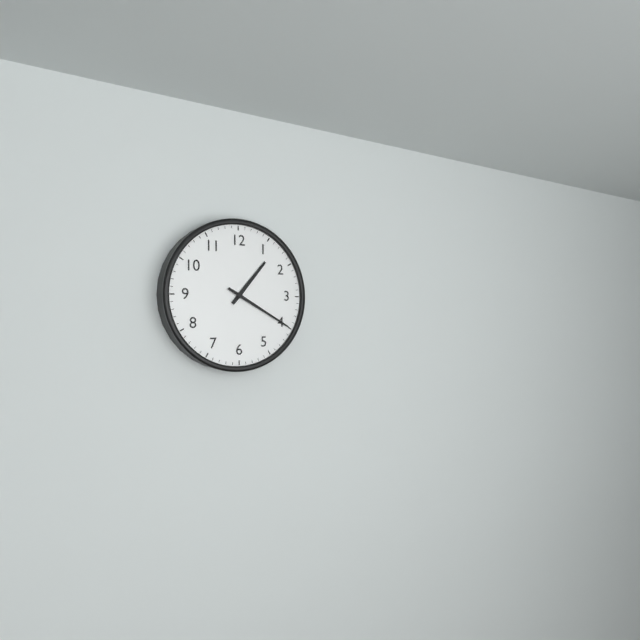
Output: 1h20
